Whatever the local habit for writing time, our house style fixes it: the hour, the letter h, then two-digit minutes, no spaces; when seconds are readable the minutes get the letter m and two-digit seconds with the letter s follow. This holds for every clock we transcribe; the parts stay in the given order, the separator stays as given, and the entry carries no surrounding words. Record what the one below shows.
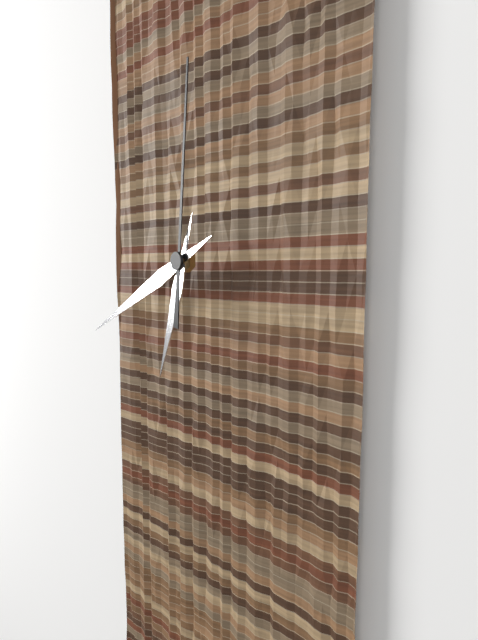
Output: 6h41m01s
